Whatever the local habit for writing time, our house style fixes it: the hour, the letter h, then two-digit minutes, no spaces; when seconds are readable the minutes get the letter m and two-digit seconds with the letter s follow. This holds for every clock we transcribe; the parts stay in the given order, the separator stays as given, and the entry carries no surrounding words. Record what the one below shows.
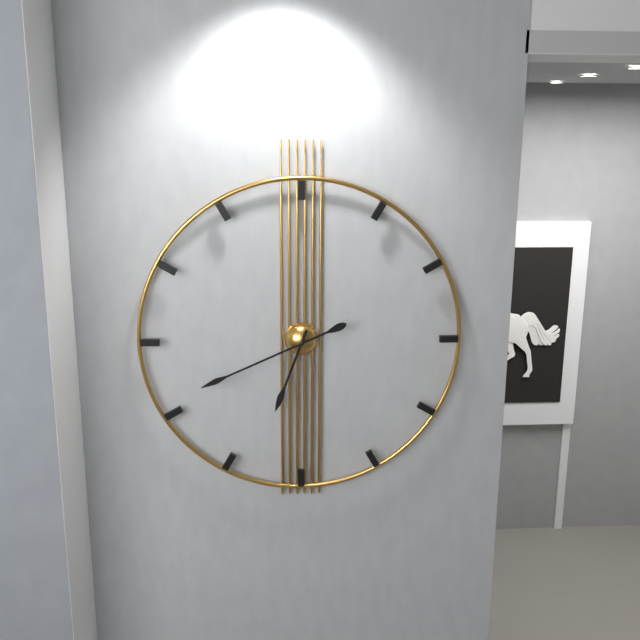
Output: 6h41
